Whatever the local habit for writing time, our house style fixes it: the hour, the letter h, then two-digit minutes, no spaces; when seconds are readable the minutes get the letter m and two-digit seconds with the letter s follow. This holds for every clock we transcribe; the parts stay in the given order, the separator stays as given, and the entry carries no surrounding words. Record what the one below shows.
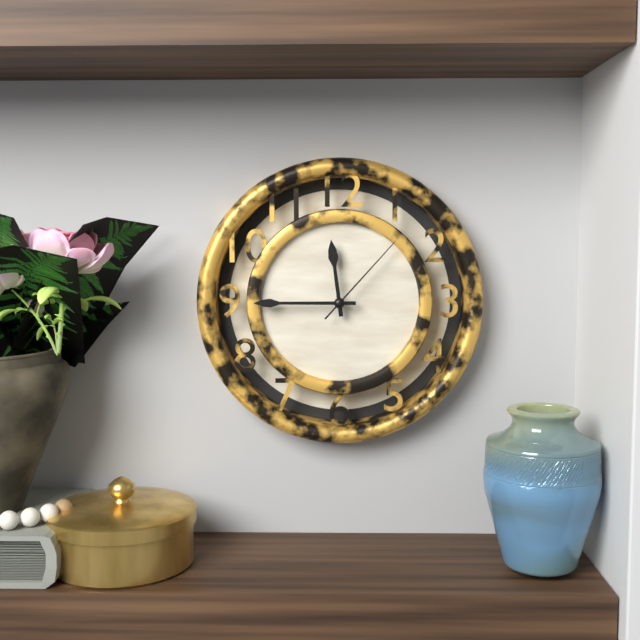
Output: 11h45m07s
